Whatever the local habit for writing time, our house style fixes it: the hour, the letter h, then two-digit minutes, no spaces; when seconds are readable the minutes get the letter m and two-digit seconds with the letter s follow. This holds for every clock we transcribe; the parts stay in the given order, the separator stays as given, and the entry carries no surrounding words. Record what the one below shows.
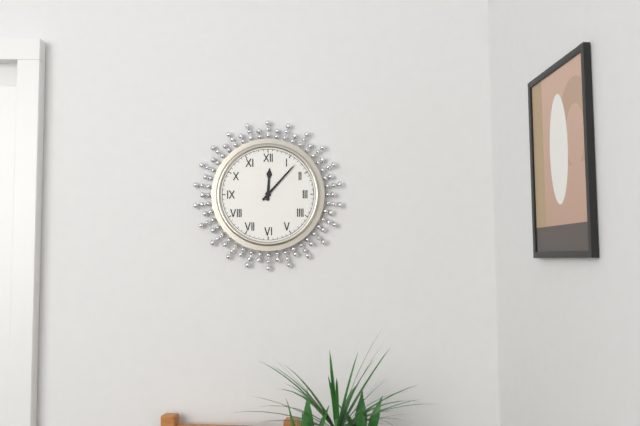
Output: 12h07
